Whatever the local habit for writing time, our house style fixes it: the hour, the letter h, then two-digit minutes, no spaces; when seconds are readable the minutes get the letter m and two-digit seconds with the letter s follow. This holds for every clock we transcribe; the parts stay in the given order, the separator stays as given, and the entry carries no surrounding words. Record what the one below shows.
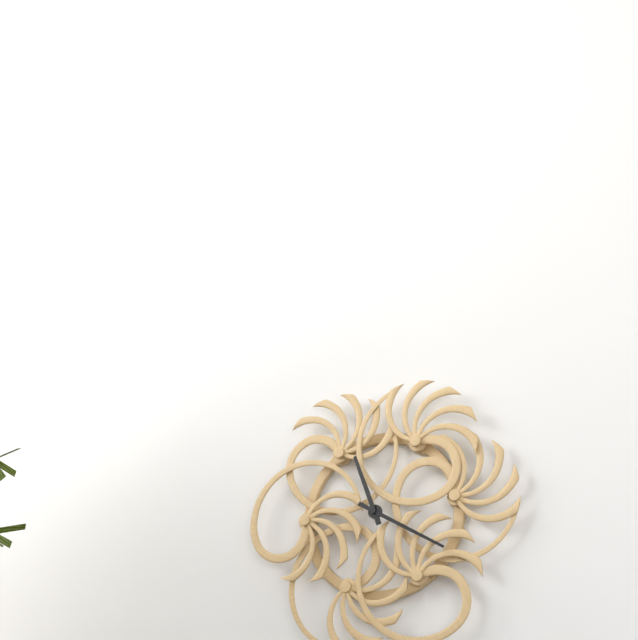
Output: 11h20
